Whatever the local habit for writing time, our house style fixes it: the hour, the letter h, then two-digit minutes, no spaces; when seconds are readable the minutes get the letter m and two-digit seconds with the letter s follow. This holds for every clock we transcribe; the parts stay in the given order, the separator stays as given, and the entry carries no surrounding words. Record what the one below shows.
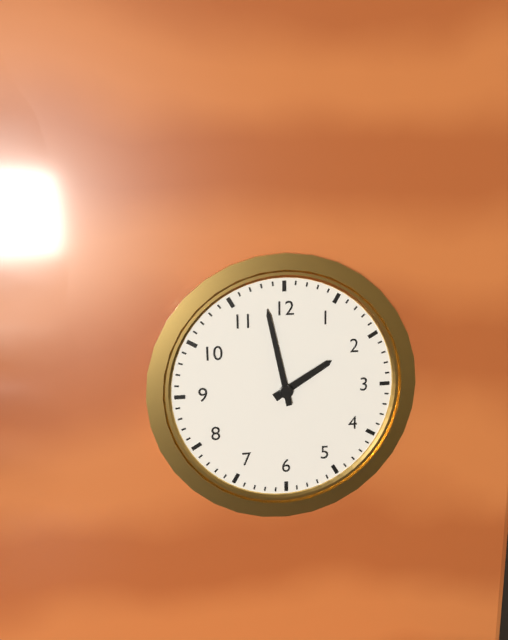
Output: 1h58
